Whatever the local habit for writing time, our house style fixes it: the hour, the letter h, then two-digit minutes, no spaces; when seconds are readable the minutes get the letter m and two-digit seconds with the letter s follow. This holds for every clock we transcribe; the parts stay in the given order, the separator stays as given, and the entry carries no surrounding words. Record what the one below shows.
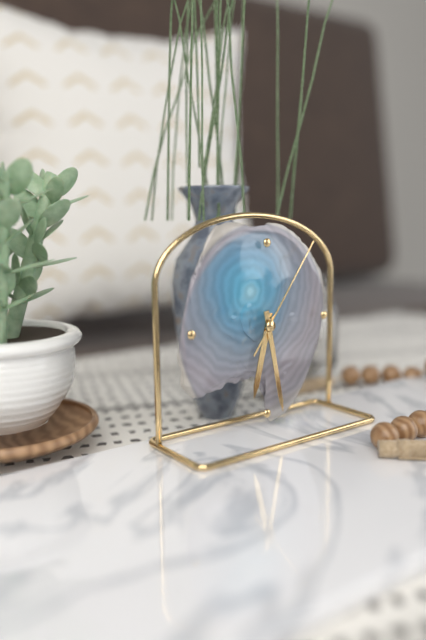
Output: 6h28m06s
